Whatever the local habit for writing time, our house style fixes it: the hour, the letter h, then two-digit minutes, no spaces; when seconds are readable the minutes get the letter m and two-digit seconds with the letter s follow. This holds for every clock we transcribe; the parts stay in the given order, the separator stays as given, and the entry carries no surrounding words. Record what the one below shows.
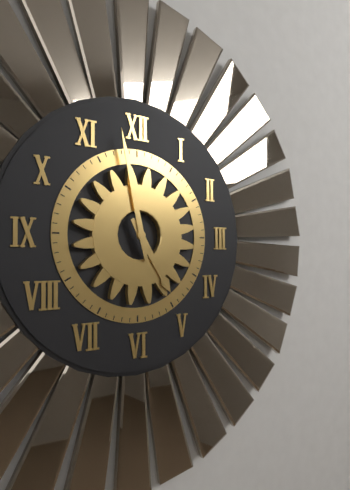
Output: 4h58
